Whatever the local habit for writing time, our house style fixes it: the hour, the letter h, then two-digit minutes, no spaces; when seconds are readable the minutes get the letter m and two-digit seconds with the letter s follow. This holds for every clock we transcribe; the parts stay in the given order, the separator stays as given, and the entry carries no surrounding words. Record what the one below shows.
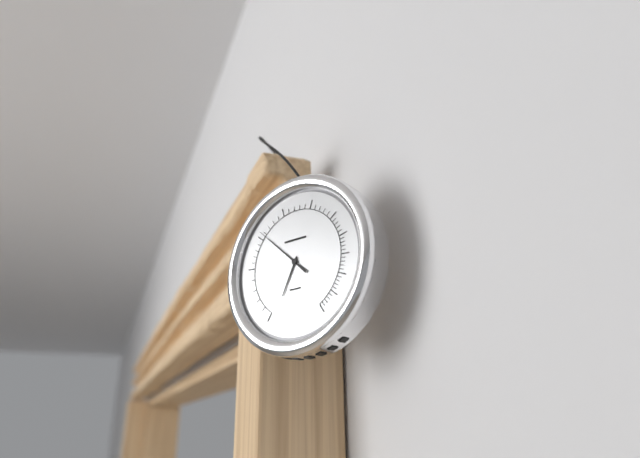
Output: 6h52
